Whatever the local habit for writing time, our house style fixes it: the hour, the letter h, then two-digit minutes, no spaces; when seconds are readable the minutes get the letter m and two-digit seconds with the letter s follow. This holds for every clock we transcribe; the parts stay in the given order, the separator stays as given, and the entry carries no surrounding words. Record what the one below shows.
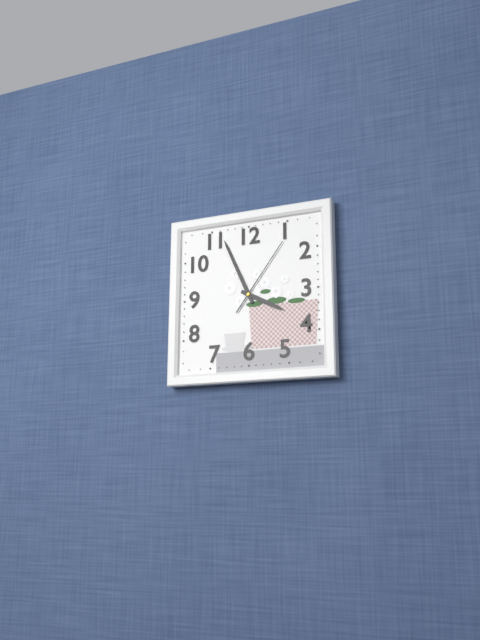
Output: 3h56m06s
